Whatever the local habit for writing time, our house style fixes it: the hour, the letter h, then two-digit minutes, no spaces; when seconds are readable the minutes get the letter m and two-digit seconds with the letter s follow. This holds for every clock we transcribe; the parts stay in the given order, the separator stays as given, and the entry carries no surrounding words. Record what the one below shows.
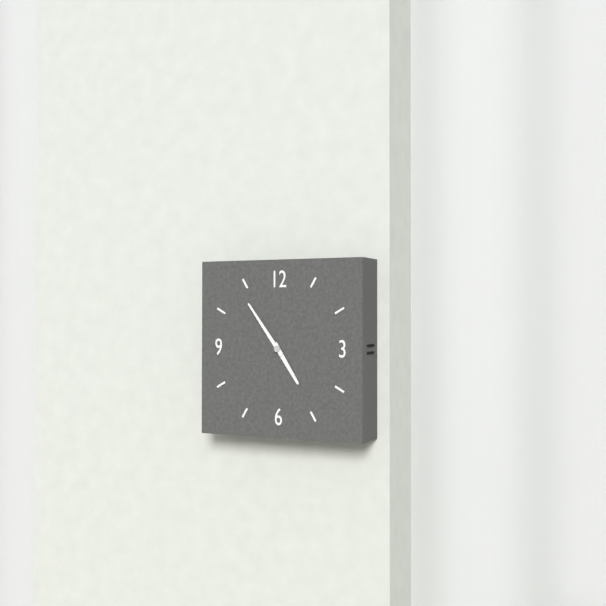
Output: 4h54
